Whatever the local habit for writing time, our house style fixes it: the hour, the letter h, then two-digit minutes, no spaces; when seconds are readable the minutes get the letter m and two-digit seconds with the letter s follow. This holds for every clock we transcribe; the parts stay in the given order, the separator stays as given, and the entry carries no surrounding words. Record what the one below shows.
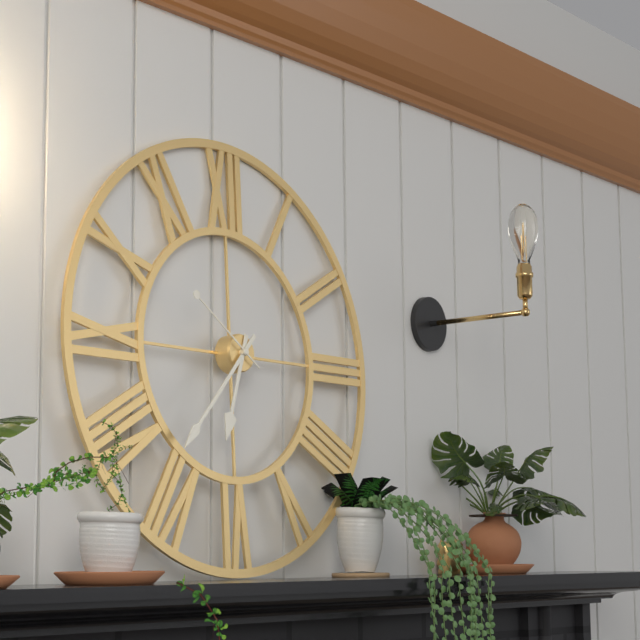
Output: 6h37m51s
